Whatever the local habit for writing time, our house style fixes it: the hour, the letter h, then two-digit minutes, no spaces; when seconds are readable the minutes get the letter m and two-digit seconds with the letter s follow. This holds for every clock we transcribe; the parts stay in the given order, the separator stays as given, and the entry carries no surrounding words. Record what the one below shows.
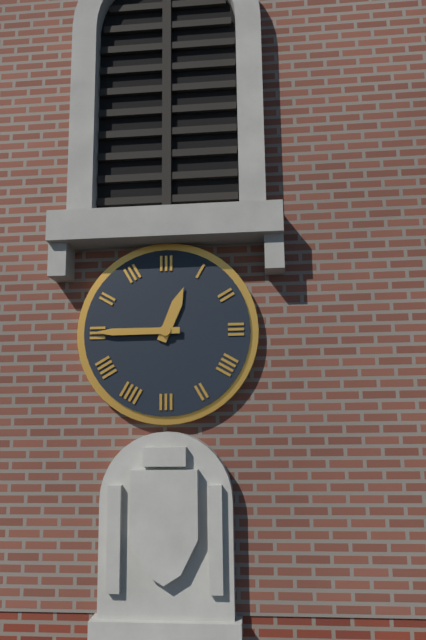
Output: 12h45
